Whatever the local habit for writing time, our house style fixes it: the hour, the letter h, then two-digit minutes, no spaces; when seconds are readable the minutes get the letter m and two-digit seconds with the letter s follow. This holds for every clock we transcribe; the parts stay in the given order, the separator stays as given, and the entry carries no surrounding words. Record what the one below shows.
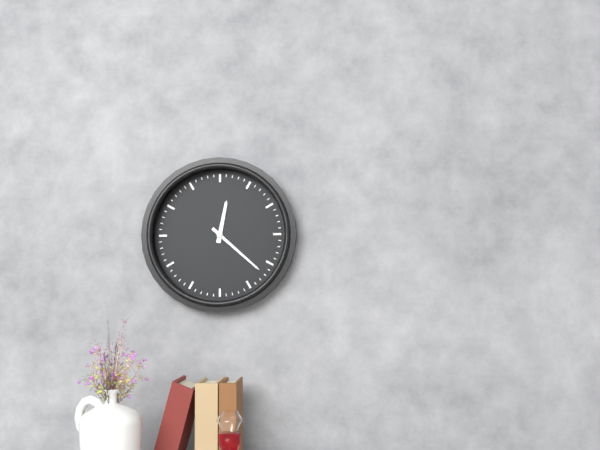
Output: 12h22
